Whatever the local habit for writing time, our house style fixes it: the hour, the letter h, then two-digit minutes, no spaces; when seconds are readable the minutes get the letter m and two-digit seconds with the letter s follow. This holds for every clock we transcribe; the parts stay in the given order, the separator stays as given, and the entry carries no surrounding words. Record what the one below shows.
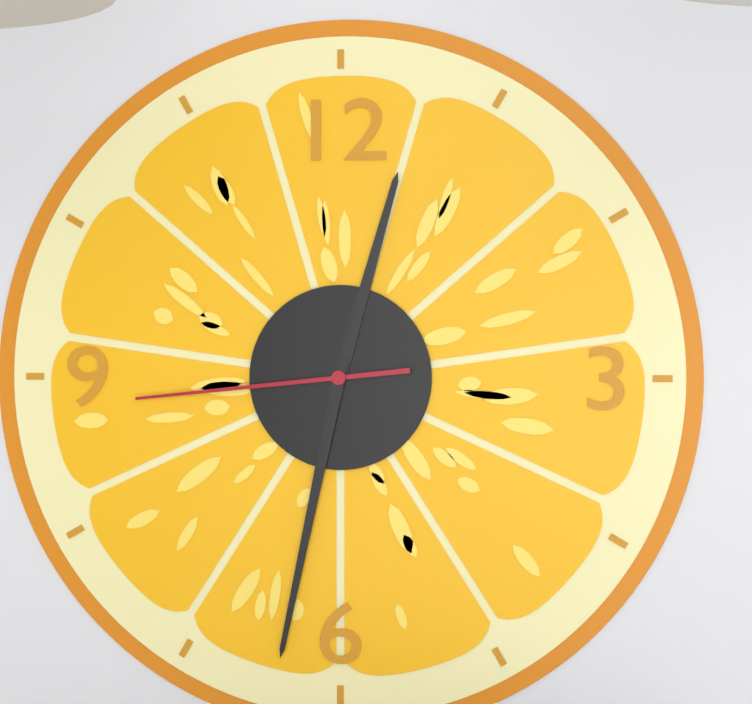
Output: 12h32m44s
